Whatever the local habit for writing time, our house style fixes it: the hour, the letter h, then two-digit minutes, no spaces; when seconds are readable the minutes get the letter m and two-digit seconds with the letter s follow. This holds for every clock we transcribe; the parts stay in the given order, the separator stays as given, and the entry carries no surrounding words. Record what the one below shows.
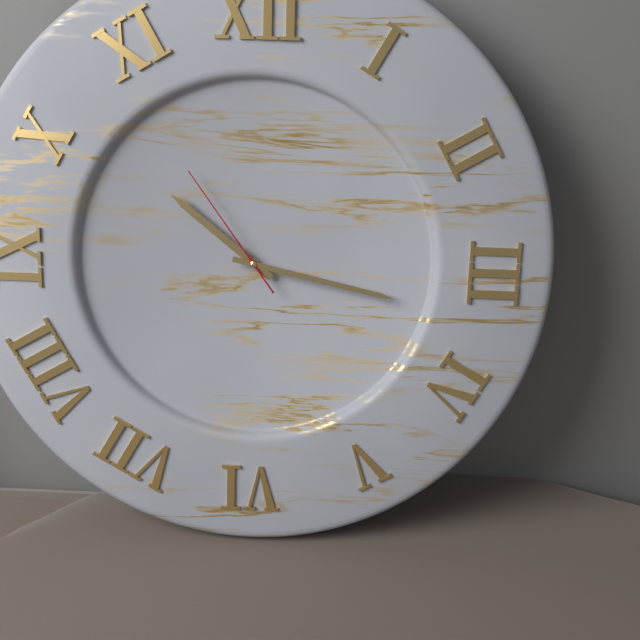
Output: 10h17m54s
